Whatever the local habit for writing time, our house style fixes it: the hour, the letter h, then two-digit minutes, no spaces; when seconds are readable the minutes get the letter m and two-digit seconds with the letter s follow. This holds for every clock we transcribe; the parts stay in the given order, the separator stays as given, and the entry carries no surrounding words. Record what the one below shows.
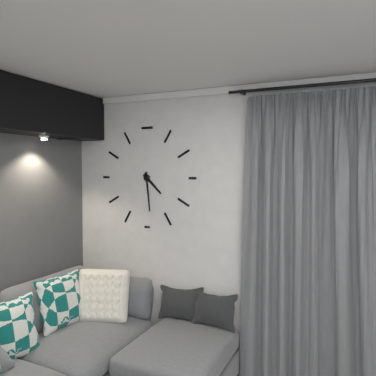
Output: 4h29
